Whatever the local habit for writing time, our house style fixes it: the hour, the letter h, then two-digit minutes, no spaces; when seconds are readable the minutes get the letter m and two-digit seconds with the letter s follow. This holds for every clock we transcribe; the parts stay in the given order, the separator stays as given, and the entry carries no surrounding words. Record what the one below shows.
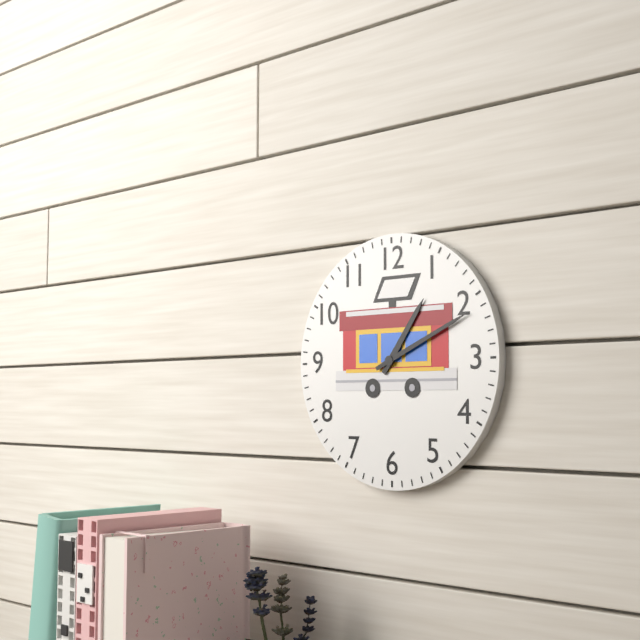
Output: 1h11
